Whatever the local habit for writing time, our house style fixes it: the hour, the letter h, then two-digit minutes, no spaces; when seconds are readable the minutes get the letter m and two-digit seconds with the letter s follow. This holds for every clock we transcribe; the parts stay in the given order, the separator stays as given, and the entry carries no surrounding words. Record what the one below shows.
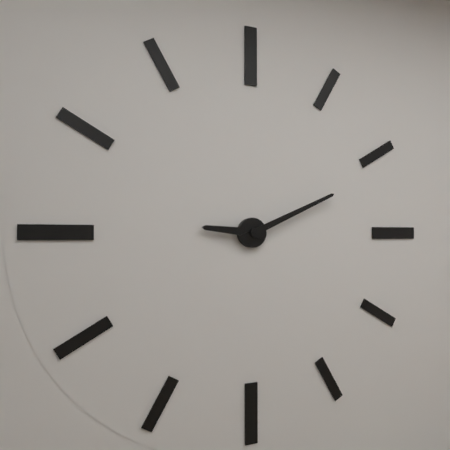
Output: 9h11
